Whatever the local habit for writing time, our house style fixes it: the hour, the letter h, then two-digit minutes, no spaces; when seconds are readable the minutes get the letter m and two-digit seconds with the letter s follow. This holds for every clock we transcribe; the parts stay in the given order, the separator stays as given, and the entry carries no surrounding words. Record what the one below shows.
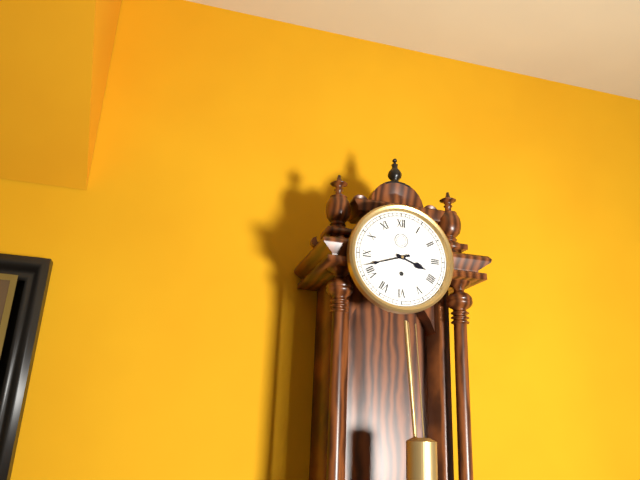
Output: 3h42
